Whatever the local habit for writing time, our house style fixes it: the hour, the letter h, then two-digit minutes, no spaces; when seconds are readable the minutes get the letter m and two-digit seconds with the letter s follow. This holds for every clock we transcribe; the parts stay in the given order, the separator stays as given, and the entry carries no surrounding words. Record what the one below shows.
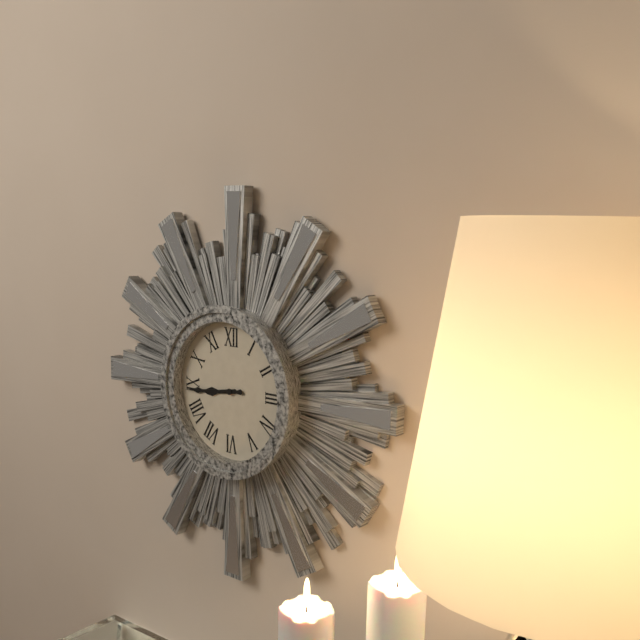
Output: 8h44
